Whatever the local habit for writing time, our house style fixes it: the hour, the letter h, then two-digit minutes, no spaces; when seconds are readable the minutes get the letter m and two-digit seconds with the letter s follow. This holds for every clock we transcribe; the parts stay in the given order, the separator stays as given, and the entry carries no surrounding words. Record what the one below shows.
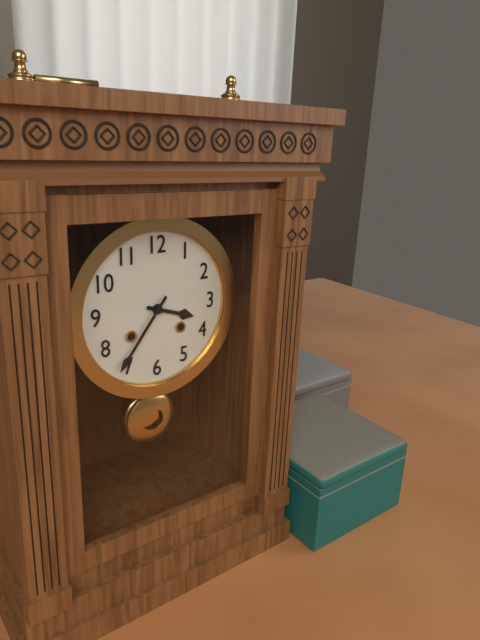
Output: 3h36
